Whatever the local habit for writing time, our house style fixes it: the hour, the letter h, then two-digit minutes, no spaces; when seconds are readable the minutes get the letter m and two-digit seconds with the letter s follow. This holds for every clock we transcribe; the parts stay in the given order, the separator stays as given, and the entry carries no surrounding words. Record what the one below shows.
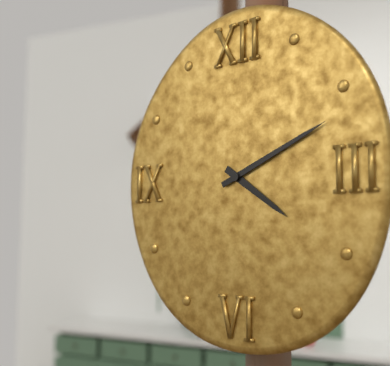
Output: 4h11
